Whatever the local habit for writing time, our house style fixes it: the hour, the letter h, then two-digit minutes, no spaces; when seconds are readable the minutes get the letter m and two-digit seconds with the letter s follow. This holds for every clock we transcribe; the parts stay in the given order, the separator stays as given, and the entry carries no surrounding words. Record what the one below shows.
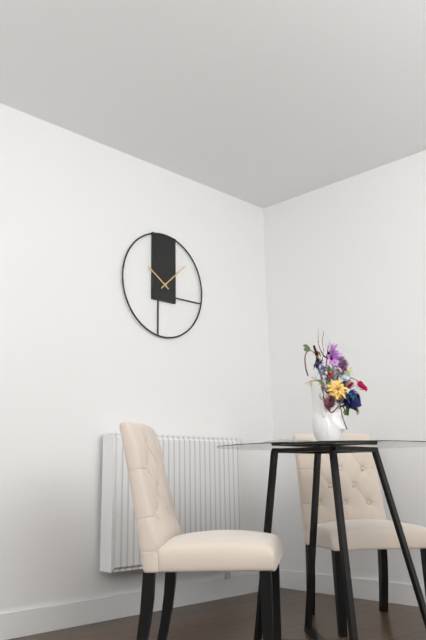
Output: 10h08
